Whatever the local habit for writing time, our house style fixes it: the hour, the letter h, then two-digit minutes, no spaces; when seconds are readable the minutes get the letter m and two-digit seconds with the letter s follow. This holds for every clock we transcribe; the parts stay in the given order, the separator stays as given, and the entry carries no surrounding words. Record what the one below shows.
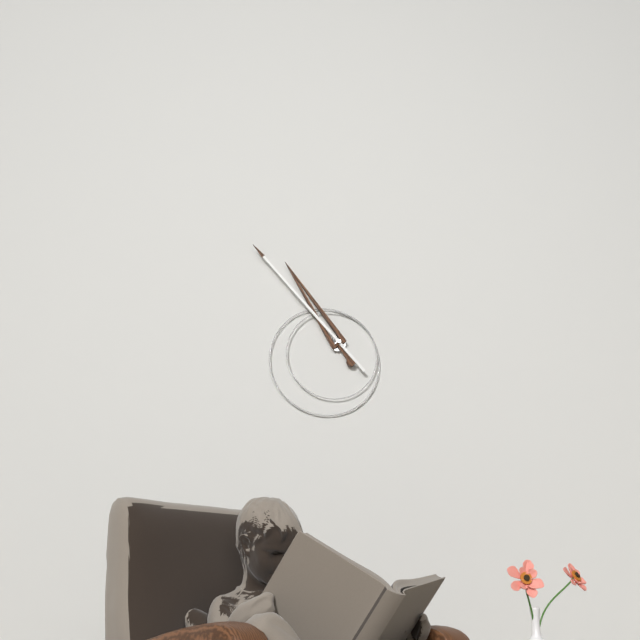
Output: 10h53
